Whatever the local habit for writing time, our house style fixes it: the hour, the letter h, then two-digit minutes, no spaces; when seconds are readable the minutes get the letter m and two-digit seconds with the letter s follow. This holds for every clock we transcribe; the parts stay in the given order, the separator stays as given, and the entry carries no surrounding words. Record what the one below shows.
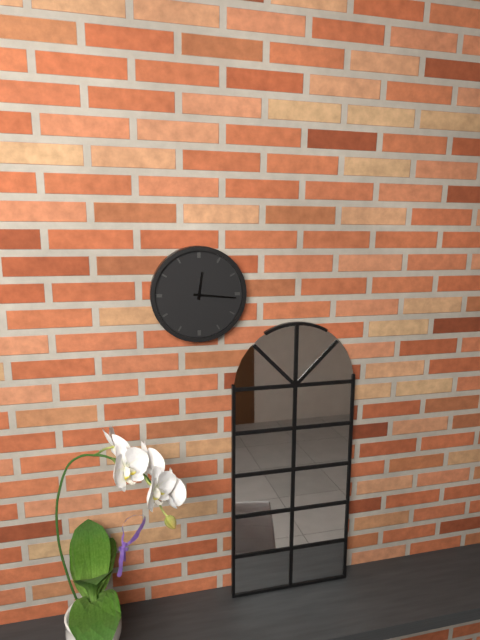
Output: 12h16
